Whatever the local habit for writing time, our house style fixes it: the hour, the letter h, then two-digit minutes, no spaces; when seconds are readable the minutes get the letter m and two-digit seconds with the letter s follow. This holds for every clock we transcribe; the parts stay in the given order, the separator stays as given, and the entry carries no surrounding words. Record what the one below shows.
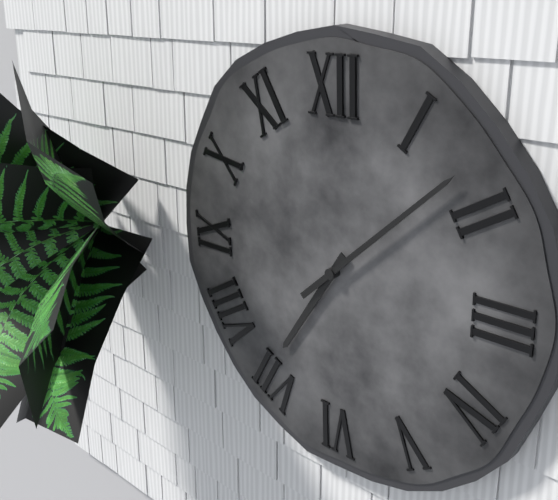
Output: 7h08
